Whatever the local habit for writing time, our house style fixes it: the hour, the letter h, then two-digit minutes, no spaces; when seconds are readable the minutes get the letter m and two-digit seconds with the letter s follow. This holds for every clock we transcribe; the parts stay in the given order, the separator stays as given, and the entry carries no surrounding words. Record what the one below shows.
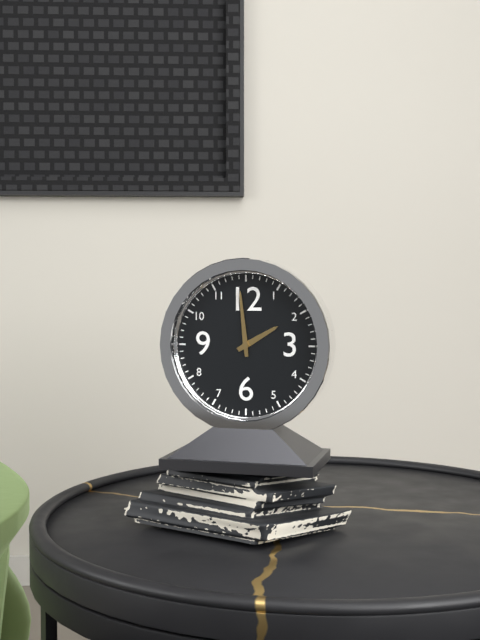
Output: 1h59
